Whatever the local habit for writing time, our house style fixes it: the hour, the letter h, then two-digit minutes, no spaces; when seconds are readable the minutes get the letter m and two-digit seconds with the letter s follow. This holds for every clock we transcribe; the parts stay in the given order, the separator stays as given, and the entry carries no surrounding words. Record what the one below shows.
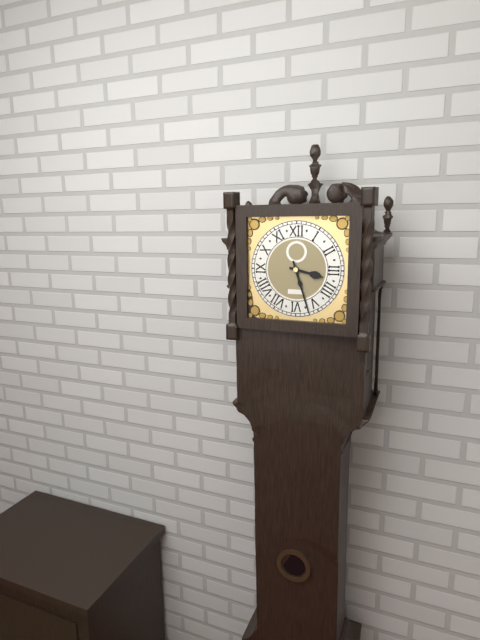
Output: 3h27
